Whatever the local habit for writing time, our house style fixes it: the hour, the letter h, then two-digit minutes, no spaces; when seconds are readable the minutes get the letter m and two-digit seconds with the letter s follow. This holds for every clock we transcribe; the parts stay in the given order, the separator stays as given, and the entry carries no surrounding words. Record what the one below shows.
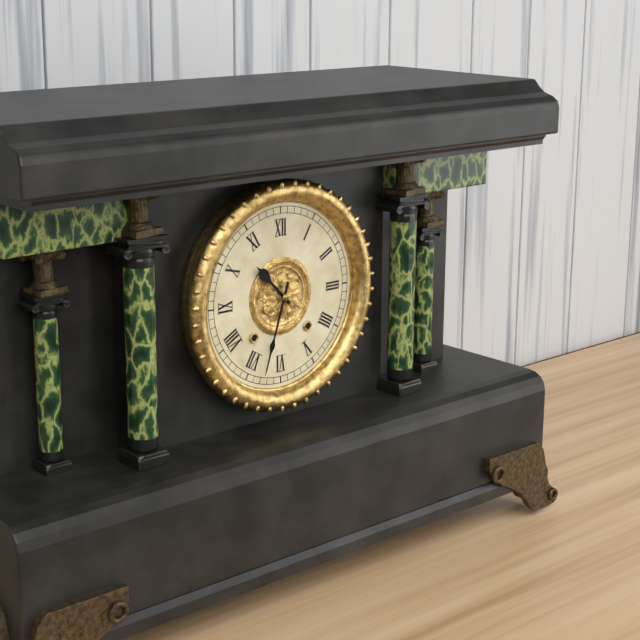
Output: 10h33
